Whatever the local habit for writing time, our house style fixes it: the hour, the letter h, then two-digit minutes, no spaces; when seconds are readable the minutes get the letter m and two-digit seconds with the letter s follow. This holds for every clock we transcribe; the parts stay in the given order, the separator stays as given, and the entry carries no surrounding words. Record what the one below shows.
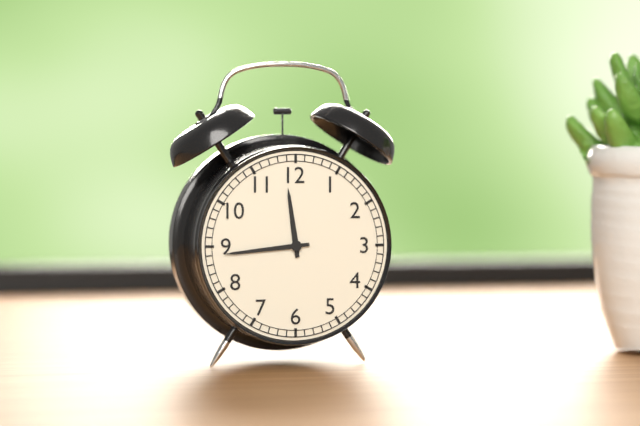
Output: 11h44
